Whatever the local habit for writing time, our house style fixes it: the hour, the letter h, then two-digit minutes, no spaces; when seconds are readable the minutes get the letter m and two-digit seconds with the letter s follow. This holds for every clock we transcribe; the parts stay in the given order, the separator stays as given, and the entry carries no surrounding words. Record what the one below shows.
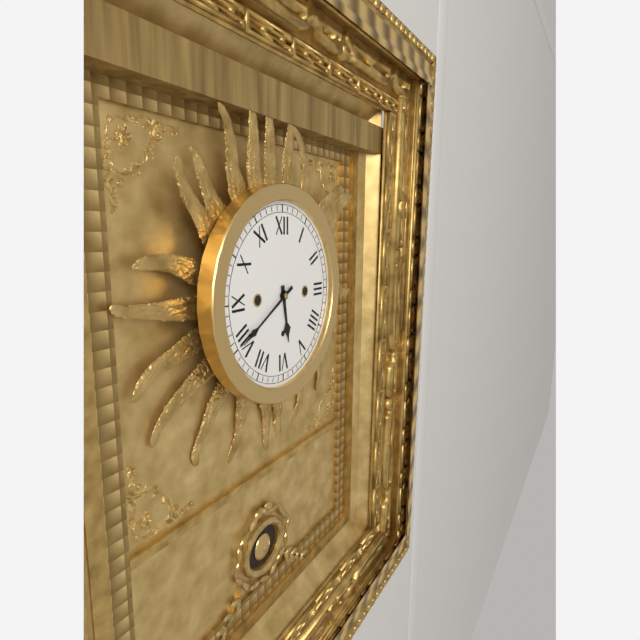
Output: 5h40
